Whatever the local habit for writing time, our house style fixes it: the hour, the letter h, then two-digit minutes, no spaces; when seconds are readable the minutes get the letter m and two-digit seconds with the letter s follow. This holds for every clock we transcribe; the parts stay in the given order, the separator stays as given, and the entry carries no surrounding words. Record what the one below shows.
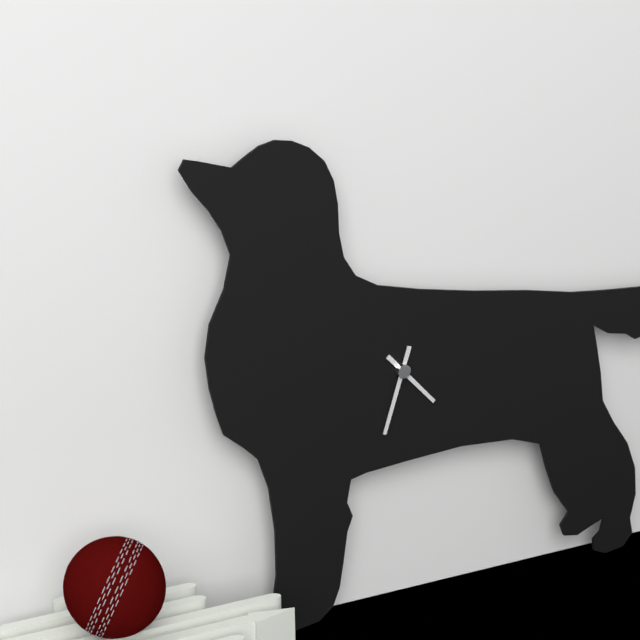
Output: 4h33
